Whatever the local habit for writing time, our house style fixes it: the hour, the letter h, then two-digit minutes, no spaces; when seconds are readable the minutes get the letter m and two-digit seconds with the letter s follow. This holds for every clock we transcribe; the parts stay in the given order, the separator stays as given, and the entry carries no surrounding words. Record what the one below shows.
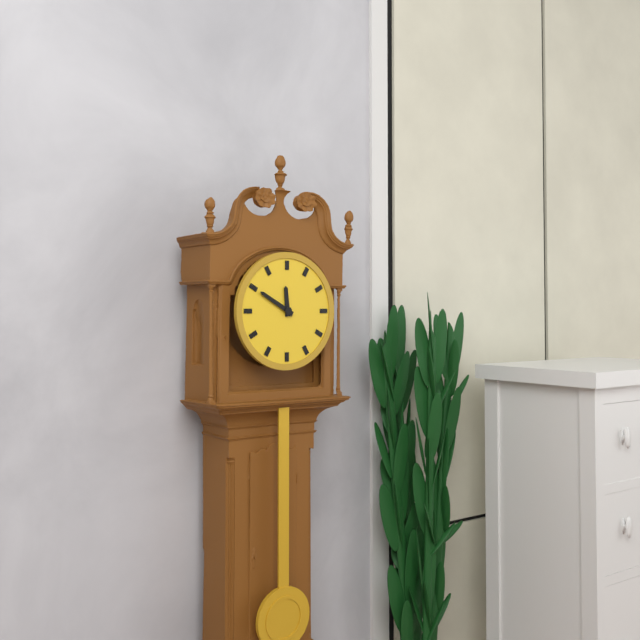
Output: 11h50
